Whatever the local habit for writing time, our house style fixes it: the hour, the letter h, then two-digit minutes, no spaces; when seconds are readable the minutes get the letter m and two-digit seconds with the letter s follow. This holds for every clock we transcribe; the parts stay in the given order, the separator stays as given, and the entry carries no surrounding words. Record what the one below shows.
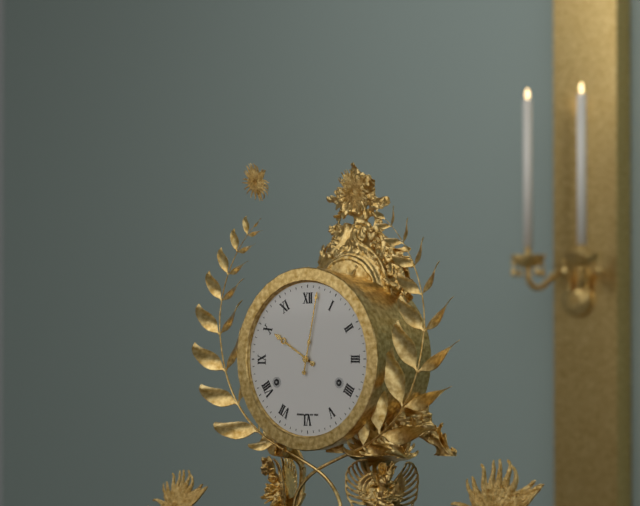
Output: 10h02
